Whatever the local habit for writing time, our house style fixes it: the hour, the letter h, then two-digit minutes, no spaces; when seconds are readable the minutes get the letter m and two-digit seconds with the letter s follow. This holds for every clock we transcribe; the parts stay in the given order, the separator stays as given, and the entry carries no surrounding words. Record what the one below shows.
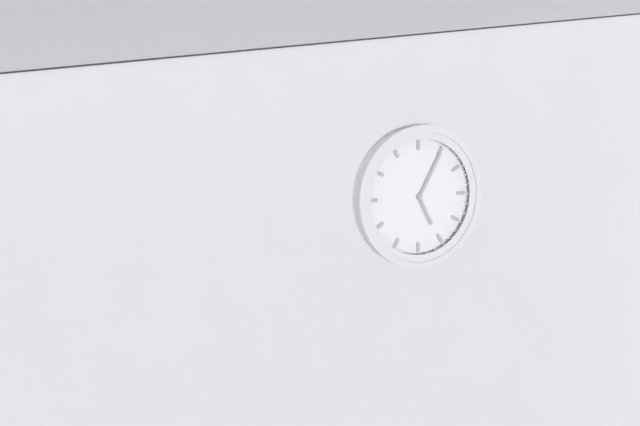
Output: 5h05
